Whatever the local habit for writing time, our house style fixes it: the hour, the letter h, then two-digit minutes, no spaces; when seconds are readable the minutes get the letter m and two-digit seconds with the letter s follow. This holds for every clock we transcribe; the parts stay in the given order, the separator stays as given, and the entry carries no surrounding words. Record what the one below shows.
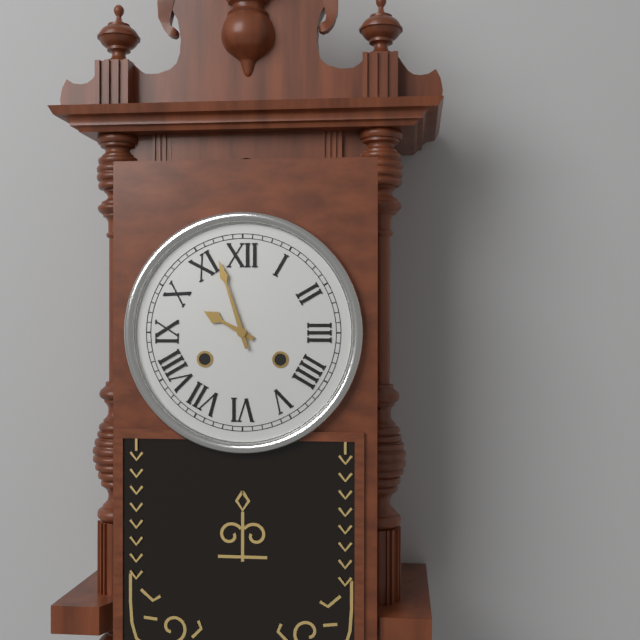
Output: 9h57
